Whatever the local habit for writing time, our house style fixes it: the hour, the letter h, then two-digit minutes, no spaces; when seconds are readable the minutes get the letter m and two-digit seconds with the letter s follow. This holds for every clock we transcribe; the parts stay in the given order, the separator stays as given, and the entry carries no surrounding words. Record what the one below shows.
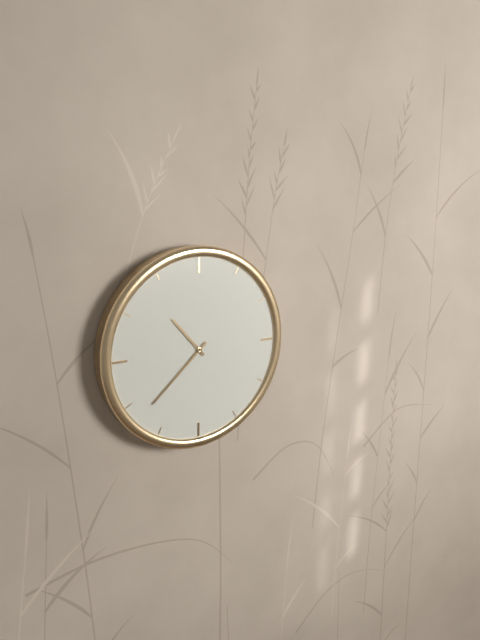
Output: 10h38
